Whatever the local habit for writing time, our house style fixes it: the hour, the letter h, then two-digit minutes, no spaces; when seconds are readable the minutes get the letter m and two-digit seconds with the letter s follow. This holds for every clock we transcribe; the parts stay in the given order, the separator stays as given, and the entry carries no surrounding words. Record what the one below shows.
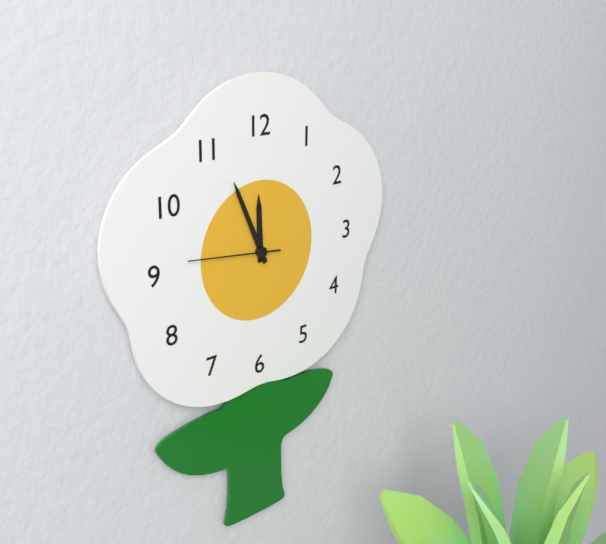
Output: 11h56m46s
